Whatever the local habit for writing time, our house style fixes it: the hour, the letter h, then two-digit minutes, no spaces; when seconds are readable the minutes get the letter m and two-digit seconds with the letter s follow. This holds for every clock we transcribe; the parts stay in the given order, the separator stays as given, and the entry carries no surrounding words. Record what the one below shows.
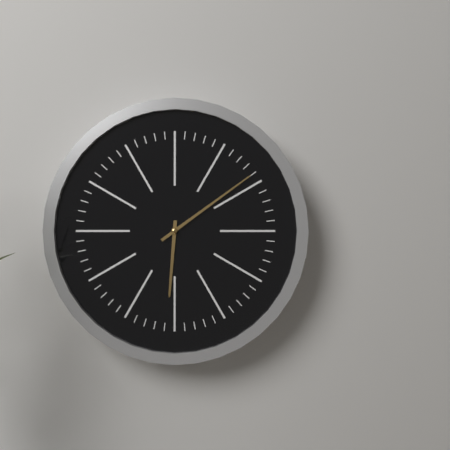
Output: 6h09
